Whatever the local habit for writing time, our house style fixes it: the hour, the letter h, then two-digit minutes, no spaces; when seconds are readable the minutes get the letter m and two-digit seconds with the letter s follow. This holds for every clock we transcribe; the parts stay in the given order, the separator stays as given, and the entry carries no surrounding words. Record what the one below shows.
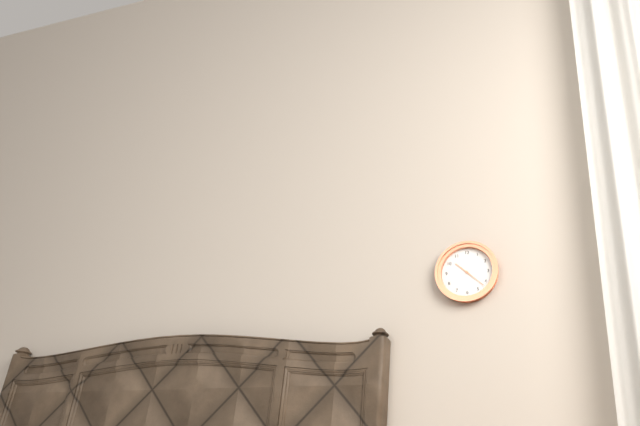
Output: 10h22
